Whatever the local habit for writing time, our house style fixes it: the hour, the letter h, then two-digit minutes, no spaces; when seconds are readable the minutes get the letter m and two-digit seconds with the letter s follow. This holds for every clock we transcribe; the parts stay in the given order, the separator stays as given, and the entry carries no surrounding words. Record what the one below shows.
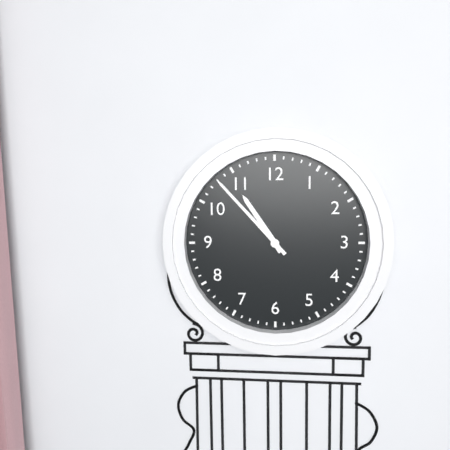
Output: 10h53
